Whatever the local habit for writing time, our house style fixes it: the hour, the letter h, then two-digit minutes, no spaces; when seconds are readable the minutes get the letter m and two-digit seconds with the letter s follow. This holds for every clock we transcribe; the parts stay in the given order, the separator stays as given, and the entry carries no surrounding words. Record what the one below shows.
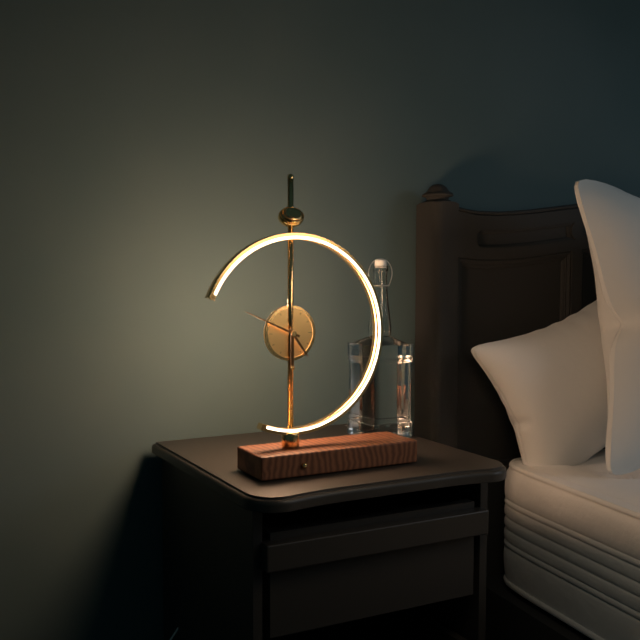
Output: 4h49
